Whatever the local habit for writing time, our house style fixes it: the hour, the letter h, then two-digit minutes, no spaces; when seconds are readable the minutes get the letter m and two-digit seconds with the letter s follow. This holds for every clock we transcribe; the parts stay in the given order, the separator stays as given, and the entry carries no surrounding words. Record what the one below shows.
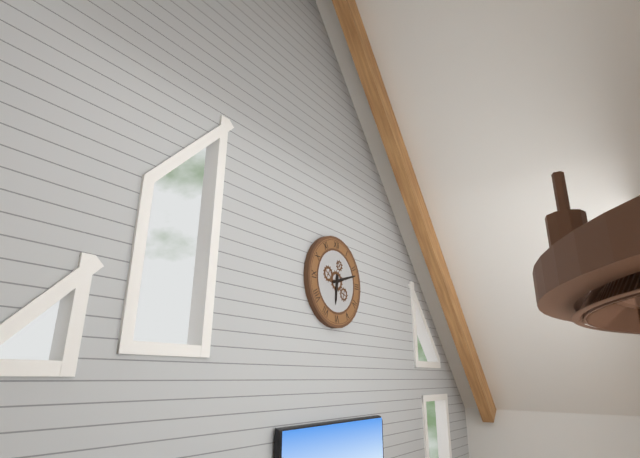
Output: 6h12
